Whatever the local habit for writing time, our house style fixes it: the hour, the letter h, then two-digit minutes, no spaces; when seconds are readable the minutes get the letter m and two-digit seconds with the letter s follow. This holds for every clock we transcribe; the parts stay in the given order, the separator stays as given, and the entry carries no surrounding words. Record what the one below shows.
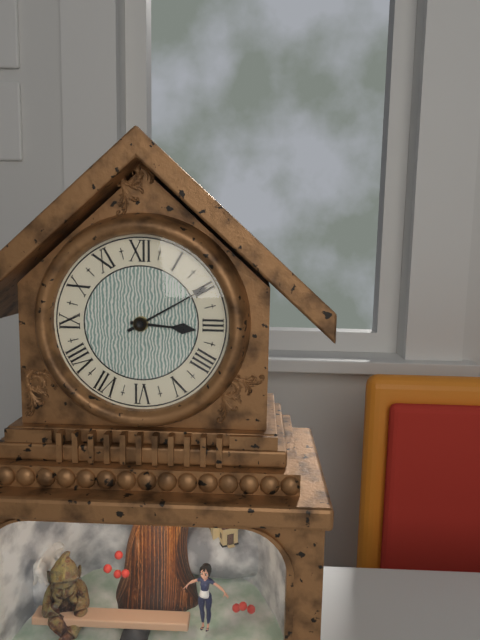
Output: 3h10
